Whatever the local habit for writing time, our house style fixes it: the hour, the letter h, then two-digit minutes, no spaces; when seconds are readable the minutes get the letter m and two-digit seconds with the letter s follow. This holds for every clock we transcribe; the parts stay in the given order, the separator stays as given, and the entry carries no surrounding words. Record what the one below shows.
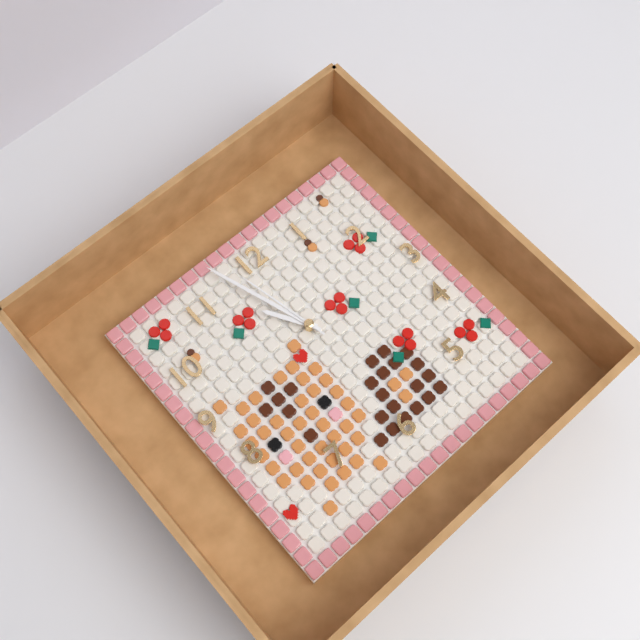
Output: 10h57m58s
